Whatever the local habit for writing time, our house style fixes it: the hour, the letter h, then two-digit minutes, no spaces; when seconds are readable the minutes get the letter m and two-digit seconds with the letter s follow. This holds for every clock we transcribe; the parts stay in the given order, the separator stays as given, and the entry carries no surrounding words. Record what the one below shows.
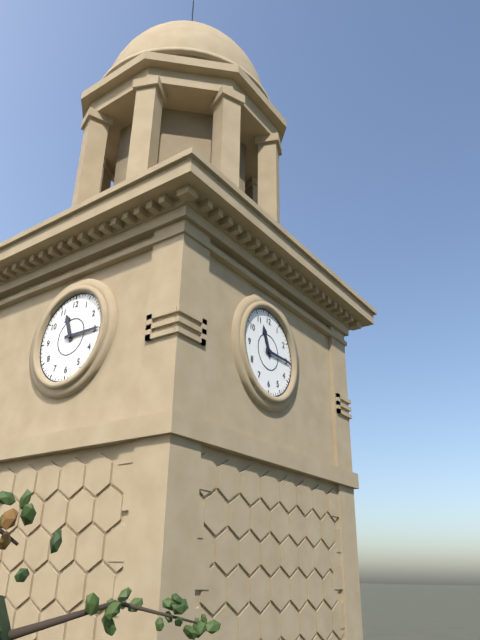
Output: 11h15
